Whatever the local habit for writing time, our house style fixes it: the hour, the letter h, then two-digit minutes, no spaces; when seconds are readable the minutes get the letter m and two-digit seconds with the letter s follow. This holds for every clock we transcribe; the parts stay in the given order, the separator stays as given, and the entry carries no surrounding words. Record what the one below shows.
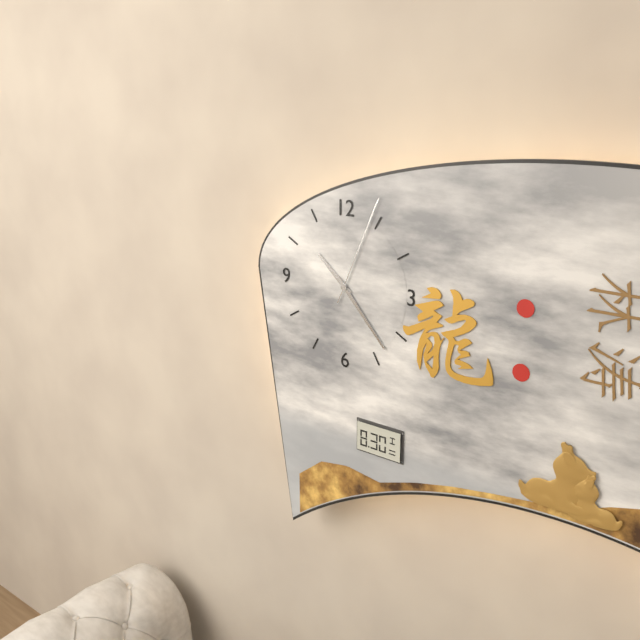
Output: 10h23m04s
